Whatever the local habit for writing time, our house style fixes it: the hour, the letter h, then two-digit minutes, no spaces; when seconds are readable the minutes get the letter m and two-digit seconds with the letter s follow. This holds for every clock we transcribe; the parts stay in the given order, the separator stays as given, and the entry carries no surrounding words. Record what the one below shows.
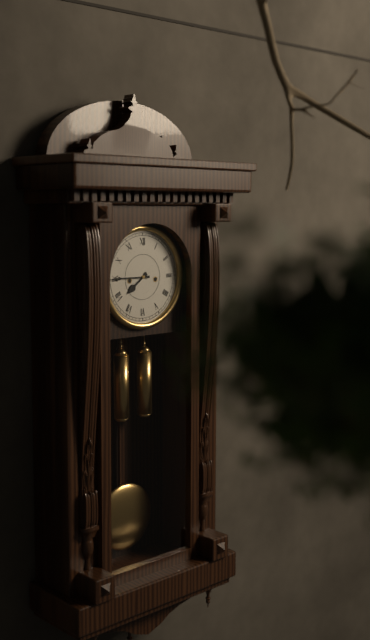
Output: 7h45
